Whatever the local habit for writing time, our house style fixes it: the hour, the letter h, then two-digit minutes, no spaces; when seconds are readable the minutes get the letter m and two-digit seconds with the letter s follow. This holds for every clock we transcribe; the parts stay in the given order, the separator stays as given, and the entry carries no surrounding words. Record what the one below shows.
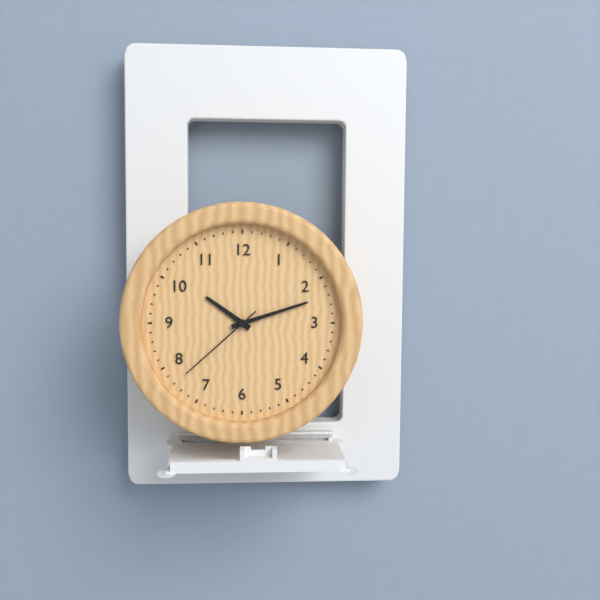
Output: 10h12m38s
